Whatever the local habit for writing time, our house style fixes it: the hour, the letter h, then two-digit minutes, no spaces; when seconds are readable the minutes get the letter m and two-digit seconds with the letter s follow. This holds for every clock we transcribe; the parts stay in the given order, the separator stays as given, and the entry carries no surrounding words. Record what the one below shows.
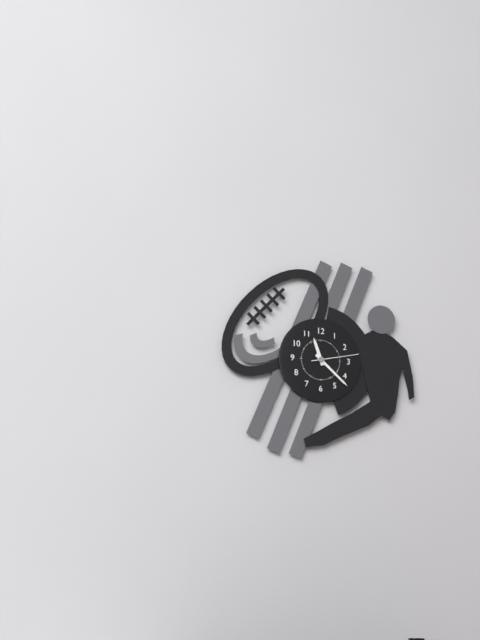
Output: 11h22
